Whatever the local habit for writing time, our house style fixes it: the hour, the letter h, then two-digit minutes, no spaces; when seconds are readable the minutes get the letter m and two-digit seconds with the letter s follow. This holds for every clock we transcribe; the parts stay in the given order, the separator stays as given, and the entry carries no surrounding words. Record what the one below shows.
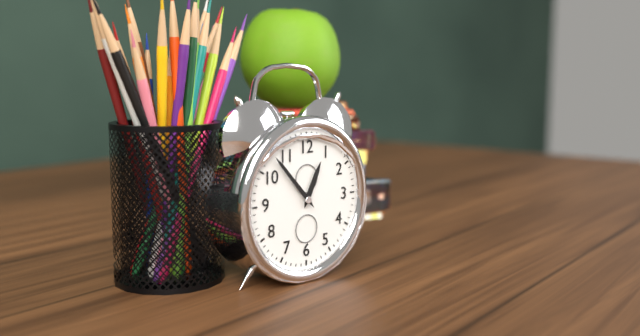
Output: 12h53
